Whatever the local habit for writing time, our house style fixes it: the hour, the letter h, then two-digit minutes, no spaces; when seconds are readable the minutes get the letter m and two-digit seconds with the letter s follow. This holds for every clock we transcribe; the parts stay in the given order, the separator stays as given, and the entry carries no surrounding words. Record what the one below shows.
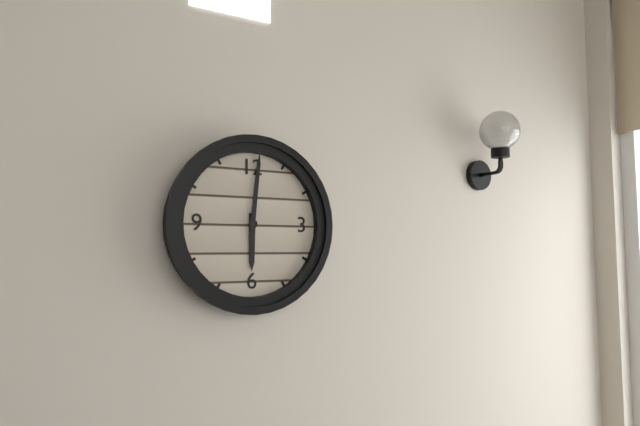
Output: 6h01
